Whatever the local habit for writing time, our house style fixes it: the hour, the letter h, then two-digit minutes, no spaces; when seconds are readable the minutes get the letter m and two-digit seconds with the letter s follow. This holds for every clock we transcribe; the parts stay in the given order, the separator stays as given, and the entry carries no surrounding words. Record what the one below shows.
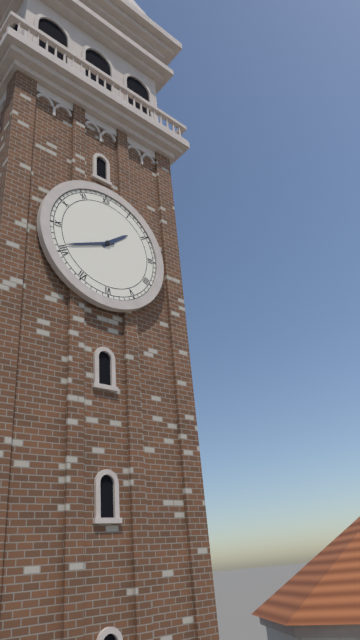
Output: 1h41
